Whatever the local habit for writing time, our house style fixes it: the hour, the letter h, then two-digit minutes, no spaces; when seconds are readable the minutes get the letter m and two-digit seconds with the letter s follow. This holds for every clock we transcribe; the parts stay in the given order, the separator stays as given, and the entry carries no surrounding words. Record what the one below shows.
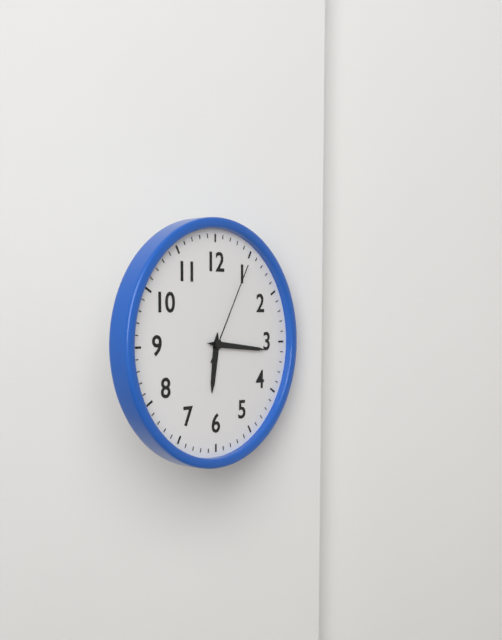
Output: 6h16m05s
